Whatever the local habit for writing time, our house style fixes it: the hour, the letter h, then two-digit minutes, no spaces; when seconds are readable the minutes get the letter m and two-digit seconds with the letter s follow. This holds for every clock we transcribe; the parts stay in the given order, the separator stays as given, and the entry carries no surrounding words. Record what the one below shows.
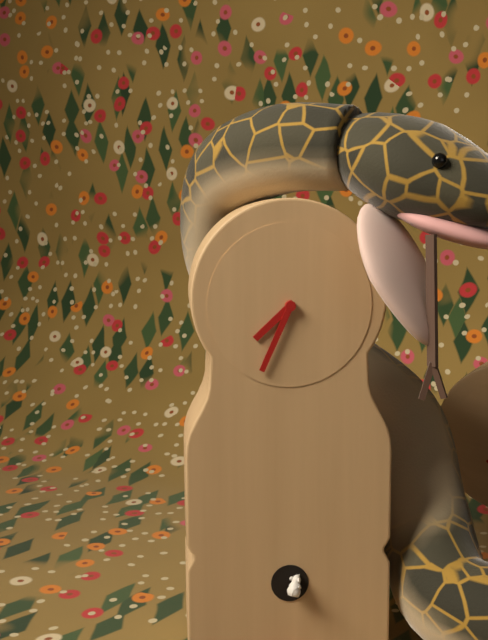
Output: 7h34
